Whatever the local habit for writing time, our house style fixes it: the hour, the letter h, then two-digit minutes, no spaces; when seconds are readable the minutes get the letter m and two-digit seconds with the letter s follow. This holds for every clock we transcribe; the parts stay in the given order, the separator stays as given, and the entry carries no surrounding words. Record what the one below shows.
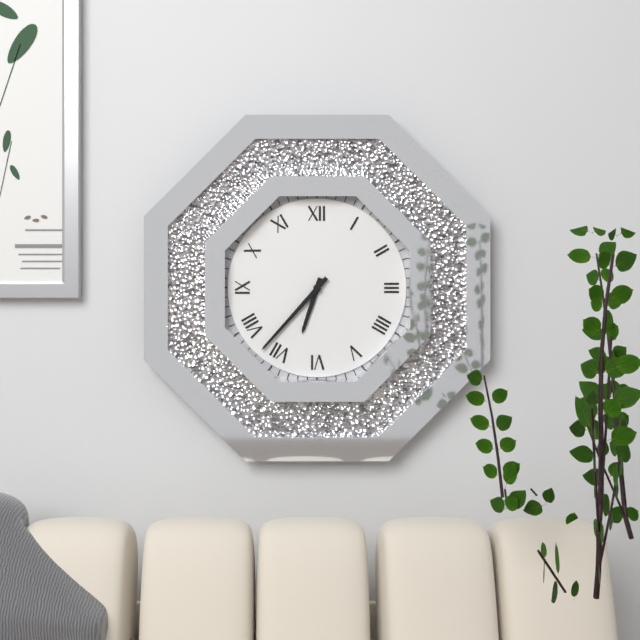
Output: 6h37
